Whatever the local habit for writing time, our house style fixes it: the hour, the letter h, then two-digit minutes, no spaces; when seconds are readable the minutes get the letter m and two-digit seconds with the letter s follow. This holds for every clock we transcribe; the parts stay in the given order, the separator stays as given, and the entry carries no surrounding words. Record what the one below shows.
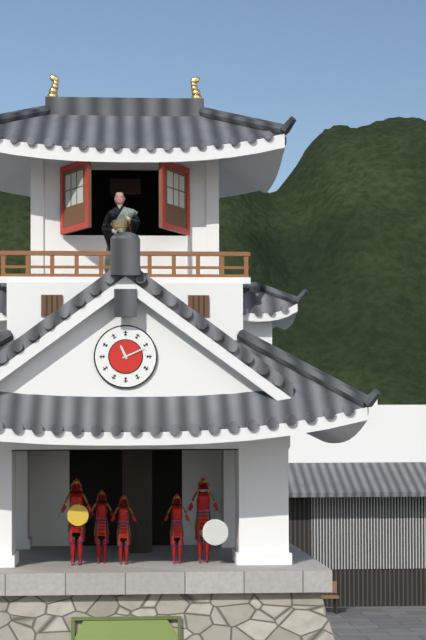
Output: 11h11
